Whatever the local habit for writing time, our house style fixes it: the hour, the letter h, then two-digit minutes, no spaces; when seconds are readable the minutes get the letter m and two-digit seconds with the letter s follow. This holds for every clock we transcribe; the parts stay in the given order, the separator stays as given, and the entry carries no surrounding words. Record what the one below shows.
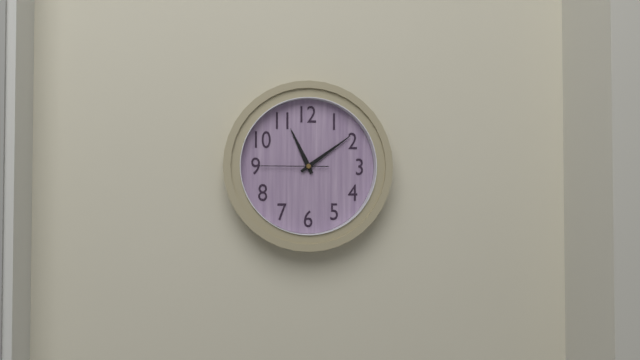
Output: 11h09m45s
